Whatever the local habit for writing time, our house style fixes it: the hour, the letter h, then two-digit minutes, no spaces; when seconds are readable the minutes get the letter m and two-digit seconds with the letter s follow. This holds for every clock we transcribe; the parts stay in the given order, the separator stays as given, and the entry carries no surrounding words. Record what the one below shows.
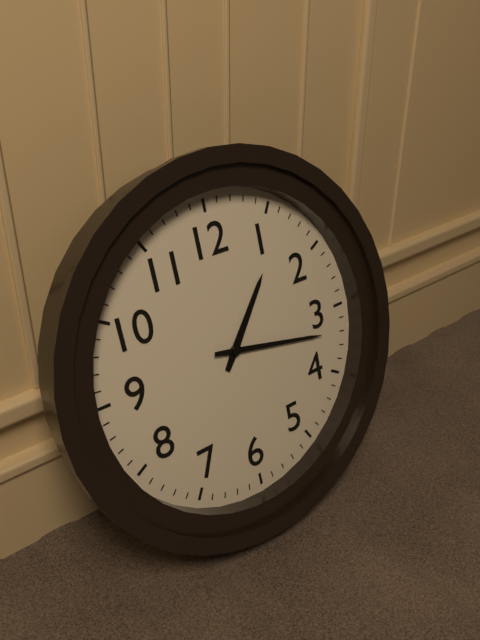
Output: 1h17
